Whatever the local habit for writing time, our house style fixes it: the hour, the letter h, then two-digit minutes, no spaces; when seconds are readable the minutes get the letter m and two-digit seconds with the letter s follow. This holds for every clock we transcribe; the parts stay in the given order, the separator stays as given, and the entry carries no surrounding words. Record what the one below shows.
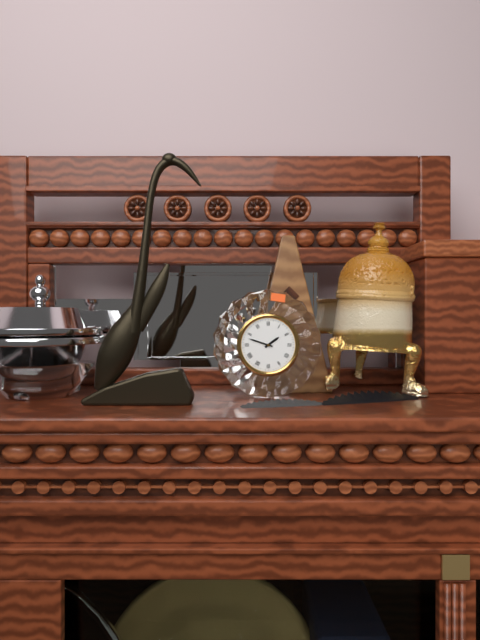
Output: 1h48
